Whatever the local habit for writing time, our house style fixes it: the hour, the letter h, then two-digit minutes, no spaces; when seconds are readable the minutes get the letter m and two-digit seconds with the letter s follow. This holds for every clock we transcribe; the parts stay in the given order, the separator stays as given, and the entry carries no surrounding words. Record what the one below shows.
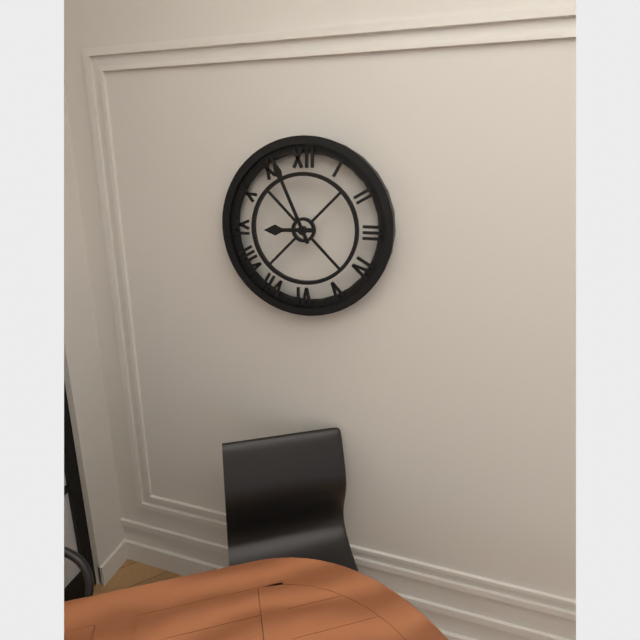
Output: 8h56
